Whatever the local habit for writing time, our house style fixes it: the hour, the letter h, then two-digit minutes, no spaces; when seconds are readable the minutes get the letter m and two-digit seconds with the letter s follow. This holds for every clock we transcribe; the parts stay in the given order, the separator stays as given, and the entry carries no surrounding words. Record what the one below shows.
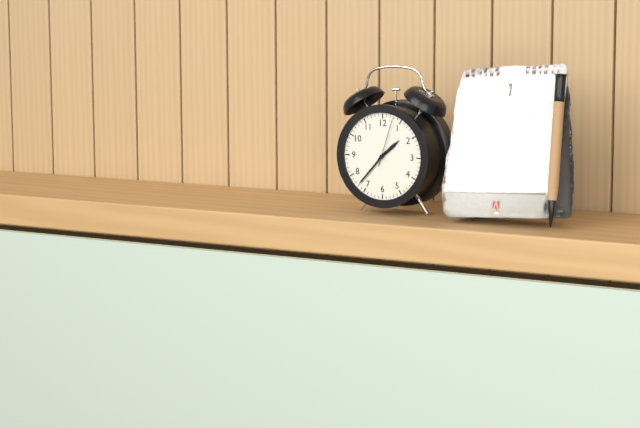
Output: 1h37
